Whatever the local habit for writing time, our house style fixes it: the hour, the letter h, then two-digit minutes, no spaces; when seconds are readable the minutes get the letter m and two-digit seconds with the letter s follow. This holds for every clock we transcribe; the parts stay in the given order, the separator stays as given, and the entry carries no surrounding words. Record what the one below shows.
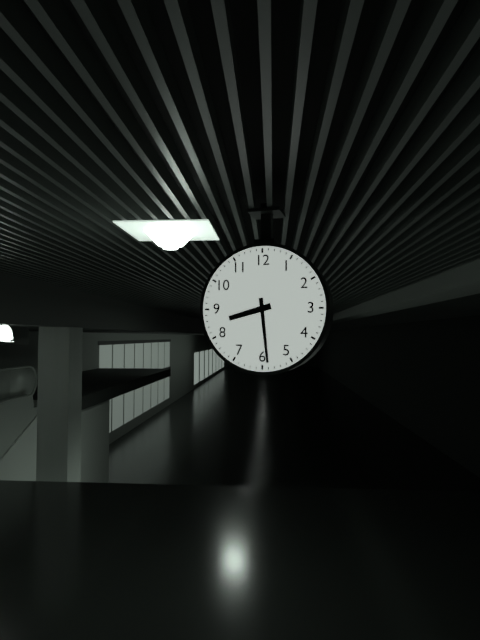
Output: 8h29
